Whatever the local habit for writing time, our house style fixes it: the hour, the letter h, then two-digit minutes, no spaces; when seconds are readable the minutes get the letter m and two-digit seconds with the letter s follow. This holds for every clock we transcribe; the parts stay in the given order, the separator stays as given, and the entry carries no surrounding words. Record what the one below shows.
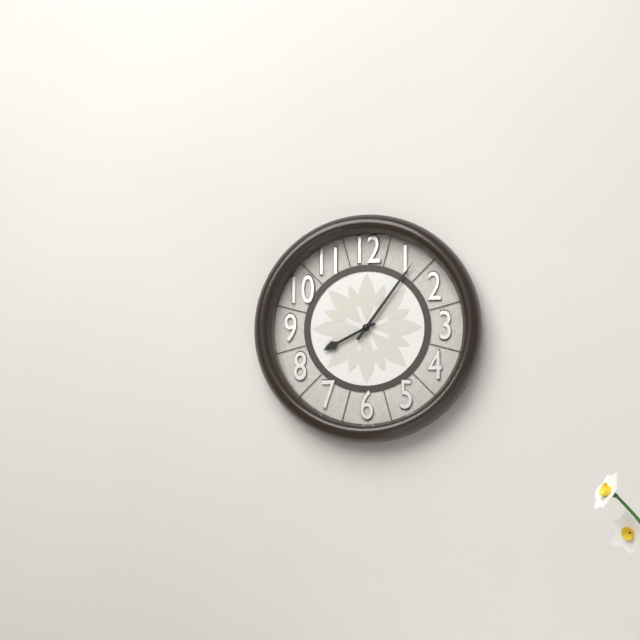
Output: 8h06
